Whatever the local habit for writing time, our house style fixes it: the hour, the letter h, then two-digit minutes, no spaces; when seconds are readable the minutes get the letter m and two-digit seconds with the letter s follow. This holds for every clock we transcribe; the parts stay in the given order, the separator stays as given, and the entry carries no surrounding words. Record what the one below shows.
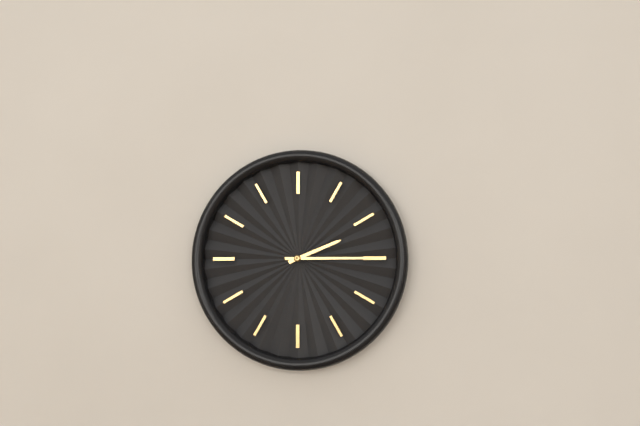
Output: 2h15
